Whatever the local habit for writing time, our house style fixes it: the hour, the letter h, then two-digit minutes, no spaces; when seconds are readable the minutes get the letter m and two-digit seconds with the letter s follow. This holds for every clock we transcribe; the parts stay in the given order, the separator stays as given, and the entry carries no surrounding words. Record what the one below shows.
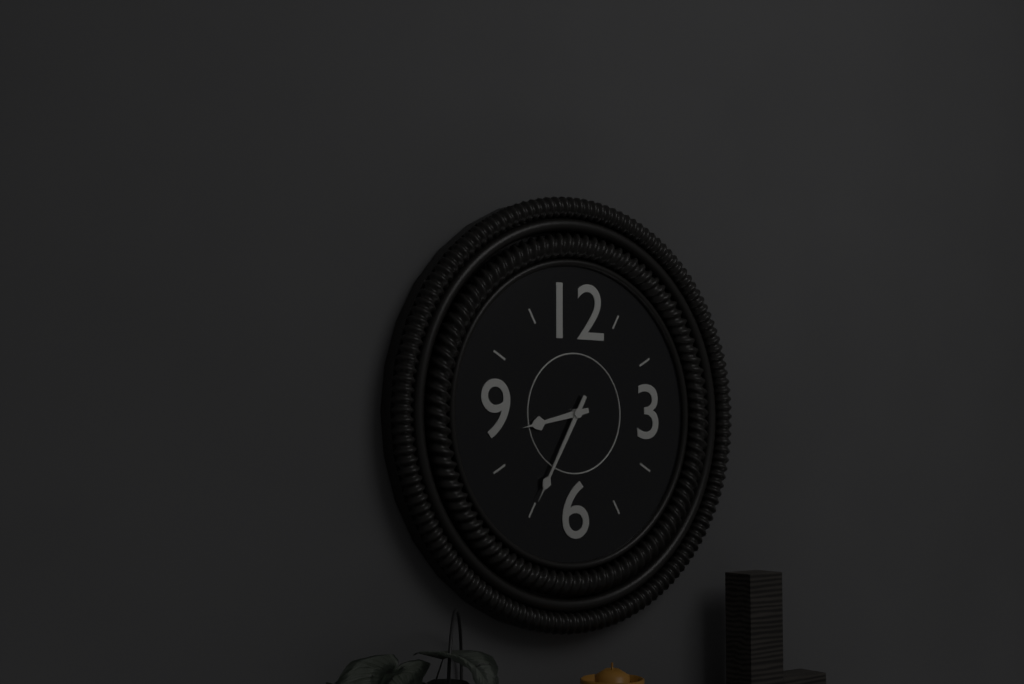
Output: 8h35
